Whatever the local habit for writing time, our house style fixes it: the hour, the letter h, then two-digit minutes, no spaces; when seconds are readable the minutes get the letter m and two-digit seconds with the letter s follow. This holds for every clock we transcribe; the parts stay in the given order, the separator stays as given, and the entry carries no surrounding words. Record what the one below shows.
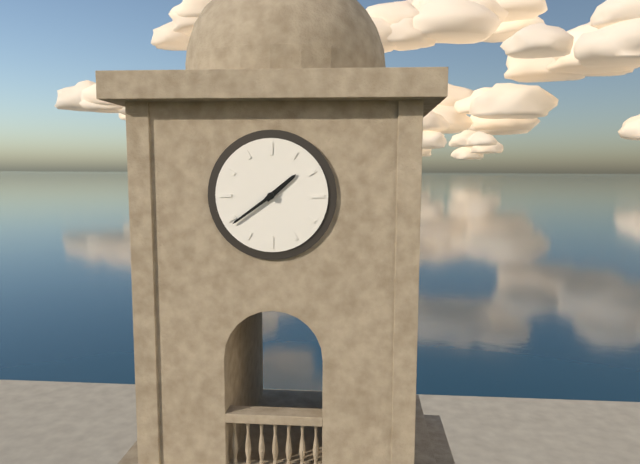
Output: 1h39
